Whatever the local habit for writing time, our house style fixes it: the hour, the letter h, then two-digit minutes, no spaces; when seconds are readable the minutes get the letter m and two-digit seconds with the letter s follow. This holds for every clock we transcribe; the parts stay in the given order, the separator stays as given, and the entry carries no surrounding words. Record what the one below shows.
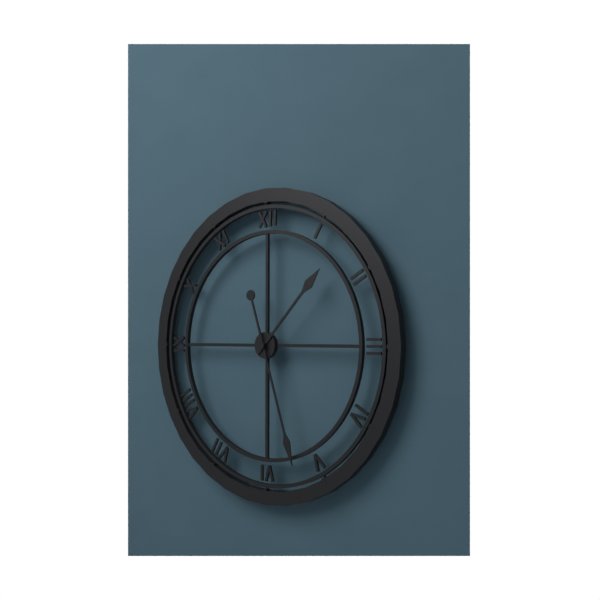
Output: 1h27
